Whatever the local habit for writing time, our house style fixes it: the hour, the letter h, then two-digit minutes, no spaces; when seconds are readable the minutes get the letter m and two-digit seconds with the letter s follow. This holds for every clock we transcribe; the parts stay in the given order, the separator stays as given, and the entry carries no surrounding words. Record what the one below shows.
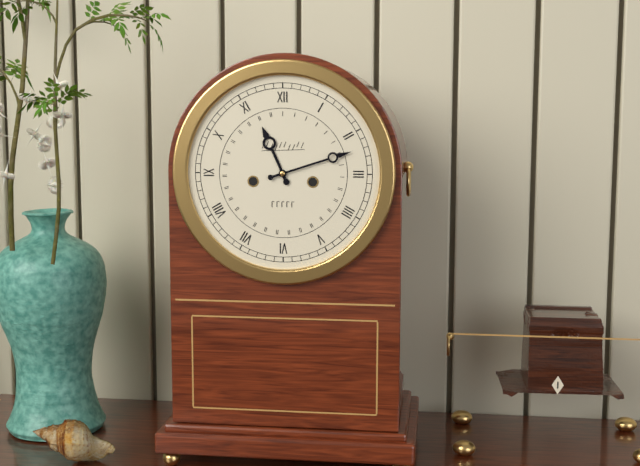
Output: 11h12
